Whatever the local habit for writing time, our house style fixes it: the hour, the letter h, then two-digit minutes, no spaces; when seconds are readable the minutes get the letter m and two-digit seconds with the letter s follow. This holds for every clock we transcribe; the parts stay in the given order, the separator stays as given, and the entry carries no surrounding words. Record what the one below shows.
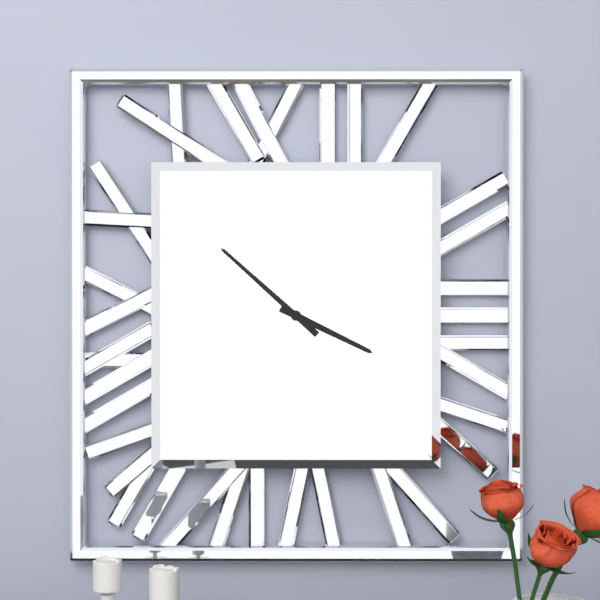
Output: 3h52
